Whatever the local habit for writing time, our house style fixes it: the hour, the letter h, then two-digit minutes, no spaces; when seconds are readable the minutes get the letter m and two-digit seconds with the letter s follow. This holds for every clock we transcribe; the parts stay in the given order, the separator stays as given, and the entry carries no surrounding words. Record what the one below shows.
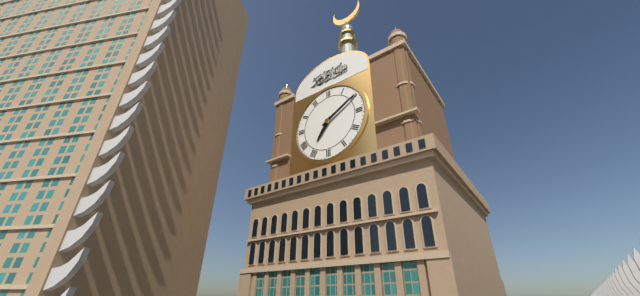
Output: 7h10
